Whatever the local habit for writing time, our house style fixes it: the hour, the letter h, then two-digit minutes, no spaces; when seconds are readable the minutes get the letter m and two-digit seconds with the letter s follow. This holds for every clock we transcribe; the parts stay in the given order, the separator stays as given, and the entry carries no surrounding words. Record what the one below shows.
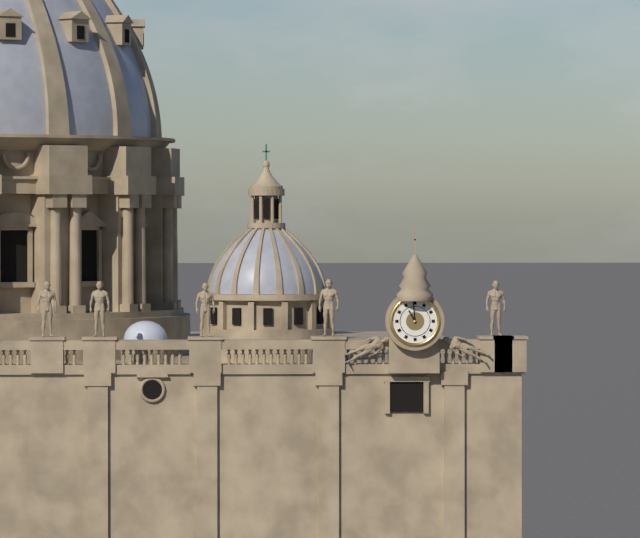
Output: 10h59
